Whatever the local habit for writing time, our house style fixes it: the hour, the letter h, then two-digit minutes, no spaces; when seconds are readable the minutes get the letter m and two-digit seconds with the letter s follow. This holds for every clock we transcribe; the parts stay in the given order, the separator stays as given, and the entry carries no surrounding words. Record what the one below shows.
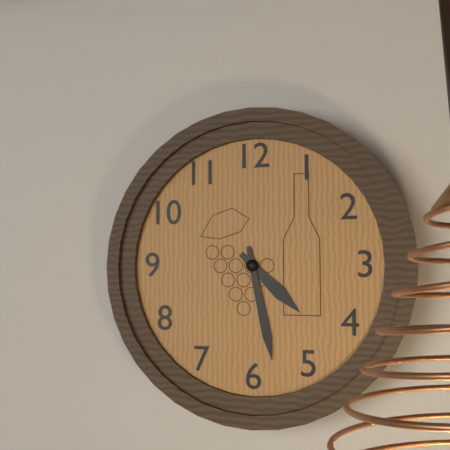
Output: 4h28
